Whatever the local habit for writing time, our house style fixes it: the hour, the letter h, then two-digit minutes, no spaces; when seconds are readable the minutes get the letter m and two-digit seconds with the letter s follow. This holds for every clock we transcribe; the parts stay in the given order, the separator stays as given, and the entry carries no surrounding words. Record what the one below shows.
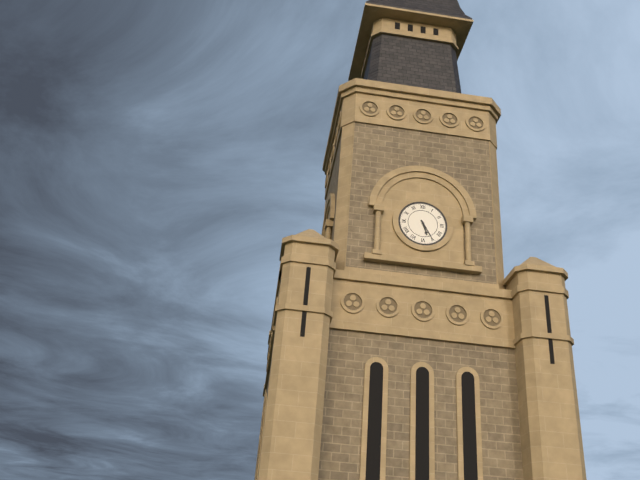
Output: 5h25
